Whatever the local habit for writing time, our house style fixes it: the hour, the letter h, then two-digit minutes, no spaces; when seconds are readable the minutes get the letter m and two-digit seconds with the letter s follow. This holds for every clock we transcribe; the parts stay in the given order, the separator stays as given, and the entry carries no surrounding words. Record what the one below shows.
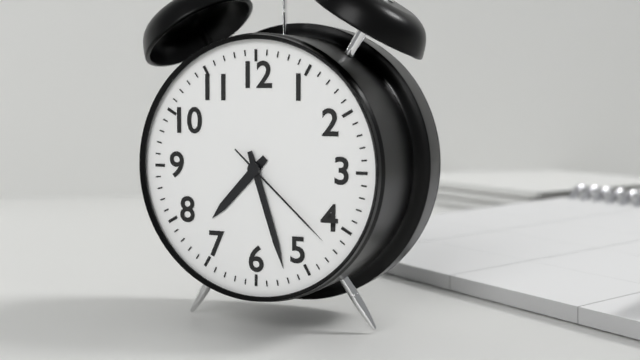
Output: 7h27m22s
